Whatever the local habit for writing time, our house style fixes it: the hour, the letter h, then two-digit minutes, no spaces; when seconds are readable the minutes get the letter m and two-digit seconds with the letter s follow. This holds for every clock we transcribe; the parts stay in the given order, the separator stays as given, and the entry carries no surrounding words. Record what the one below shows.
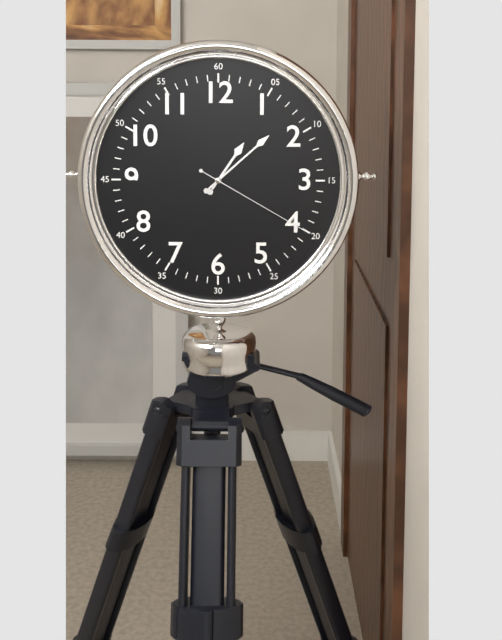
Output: 1h08m20s
